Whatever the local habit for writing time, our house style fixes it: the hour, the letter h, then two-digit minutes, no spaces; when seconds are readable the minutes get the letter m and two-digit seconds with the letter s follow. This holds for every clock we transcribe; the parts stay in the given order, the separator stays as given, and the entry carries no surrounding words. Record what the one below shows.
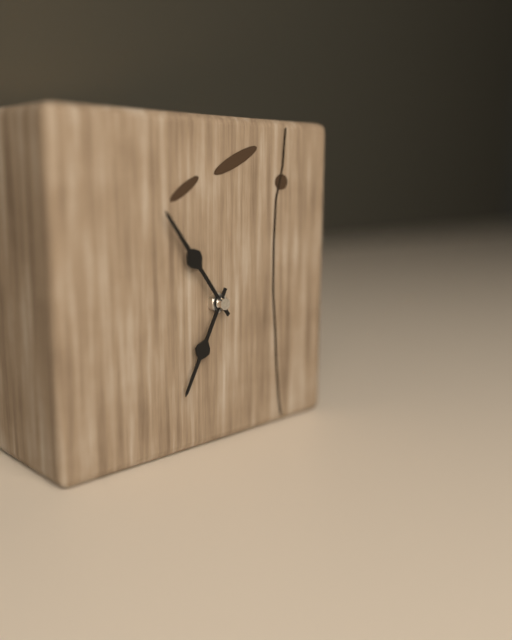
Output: 6h54
